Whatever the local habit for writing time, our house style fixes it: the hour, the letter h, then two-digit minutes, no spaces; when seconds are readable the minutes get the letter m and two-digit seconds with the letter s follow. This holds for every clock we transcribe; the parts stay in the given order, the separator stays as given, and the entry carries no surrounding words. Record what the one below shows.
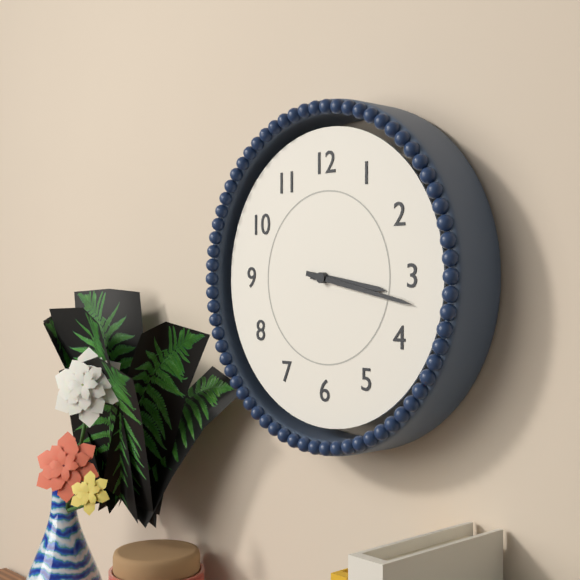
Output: 3h17
